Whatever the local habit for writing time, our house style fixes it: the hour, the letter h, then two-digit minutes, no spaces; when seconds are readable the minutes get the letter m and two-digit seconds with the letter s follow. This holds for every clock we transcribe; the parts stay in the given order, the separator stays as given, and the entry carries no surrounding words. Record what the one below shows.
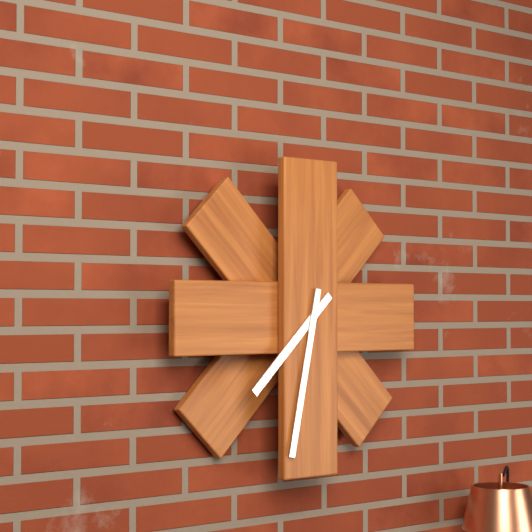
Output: 7h32
